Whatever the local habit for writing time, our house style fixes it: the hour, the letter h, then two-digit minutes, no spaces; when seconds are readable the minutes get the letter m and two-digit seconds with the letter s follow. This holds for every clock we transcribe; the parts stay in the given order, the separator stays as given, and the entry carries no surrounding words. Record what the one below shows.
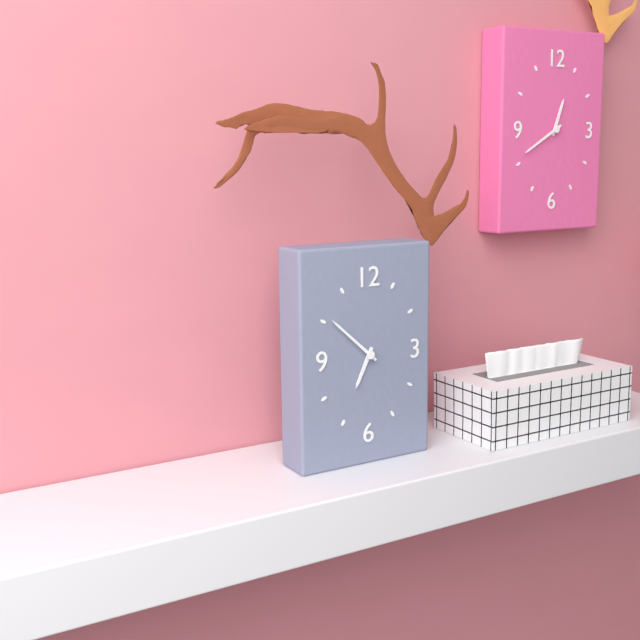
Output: 6h52
